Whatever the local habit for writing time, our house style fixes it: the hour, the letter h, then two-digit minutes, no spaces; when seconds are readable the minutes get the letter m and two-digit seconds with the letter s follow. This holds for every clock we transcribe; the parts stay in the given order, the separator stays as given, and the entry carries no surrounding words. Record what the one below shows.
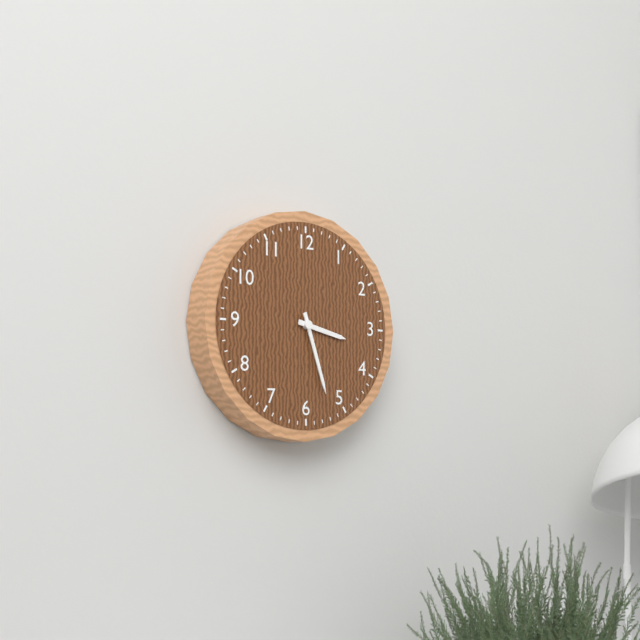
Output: 3h27
